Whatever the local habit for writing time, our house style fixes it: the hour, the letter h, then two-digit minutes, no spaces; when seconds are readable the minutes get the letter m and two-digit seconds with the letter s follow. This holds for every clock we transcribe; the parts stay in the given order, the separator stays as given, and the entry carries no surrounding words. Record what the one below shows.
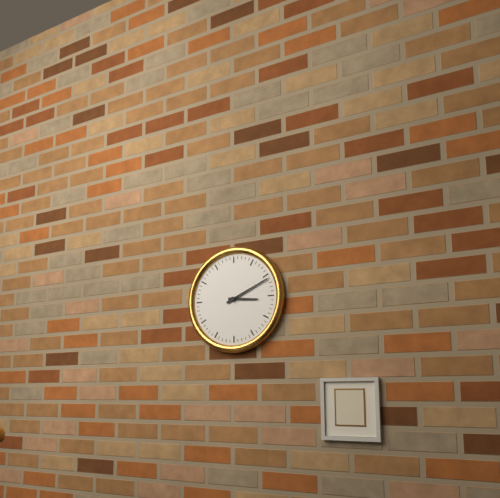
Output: 3h11
